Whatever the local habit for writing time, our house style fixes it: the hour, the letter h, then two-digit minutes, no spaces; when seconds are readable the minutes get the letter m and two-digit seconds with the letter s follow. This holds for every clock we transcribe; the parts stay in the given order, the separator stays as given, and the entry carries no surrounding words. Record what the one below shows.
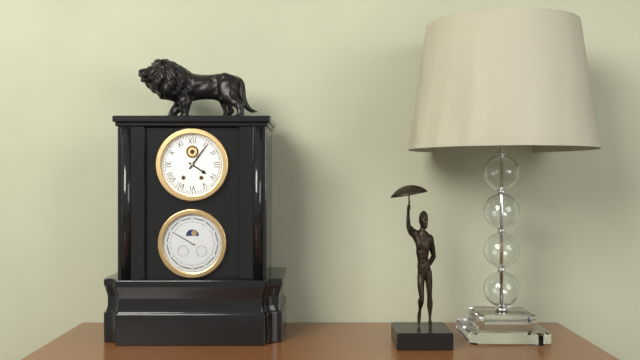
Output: 4h06
